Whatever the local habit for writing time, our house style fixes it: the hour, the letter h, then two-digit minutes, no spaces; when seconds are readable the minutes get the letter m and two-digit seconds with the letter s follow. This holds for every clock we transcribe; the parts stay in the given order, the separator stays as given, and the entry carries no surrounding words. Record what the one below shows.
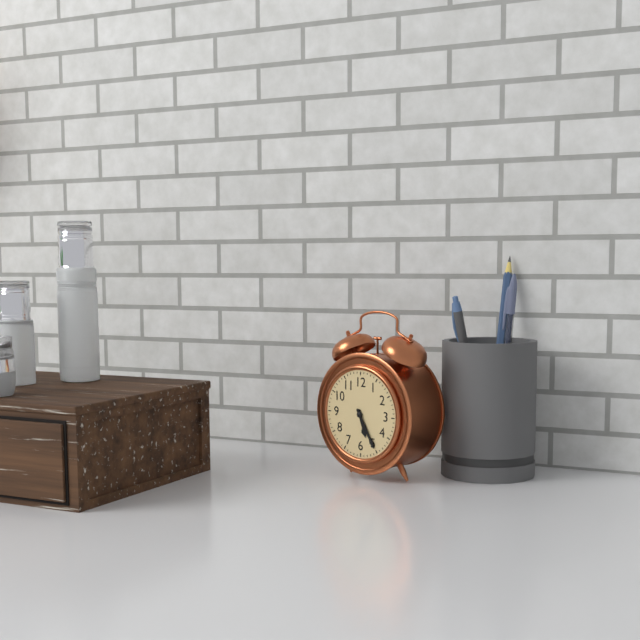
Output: 5h25
